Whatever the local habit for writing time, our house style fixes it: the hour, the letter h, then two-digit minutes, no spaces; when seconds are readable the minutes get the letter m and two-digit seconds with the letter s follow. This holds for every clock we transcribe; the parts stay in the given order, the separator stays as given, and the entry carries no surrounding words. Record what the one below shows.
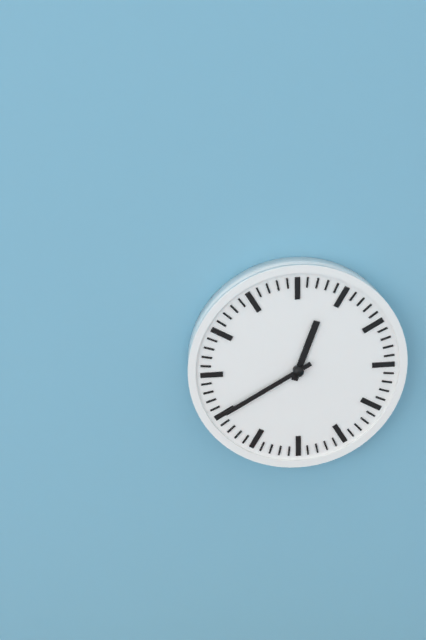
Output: 12h40
